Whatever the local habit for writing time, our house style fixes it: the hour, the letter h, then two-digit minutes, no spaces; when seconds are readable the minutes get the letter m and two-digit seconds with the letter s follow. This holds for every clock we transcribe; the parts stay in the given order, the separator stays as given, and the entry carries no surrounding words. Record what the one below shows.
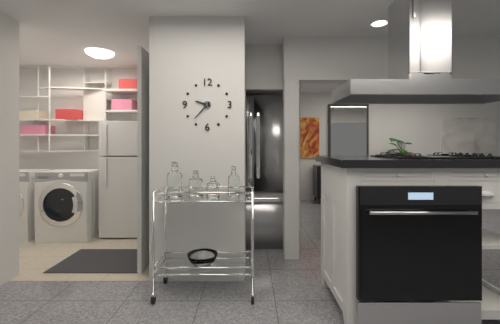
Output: 9h37
